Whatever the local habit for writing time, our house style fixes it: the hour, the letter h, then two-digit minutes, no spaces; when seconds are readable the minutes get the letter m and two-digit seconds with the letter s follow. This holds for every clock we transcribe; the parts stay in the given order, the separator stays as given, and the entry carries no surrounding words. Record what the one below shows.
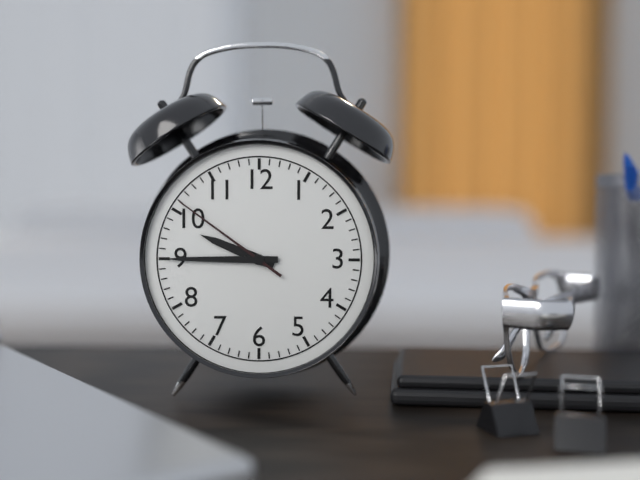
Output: 9h45m51s
